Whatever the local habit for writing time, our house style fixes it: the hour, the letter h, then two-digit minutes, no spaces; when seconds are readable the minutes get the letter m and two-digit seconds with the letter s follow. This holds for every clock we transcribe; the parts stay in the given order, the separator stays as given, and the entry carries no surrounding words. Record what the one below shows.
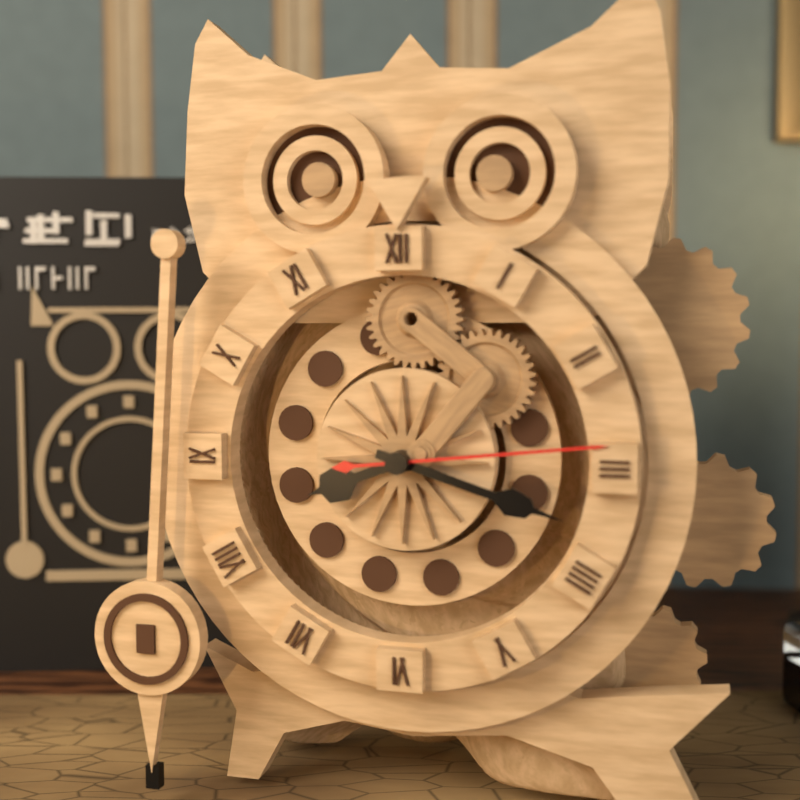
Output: 8h18m14s
